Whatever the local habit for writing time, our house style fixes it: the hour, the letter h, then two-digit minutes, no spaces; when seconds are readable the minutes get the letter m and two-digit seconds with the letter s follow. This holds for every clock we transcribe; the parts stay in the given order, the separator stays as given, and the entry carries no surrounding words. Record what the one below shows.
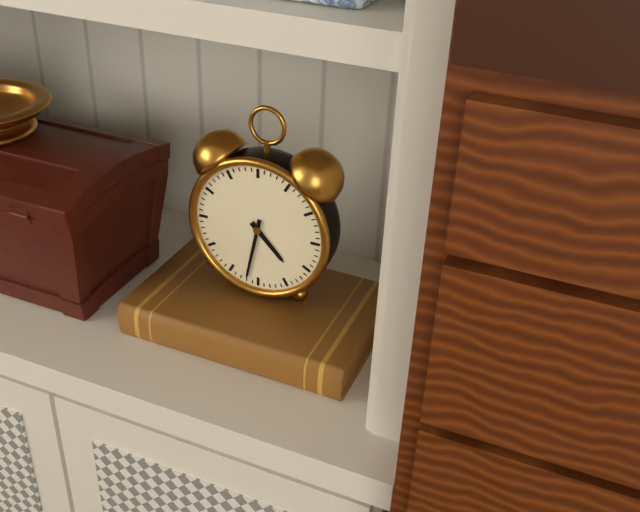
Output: 4h32
